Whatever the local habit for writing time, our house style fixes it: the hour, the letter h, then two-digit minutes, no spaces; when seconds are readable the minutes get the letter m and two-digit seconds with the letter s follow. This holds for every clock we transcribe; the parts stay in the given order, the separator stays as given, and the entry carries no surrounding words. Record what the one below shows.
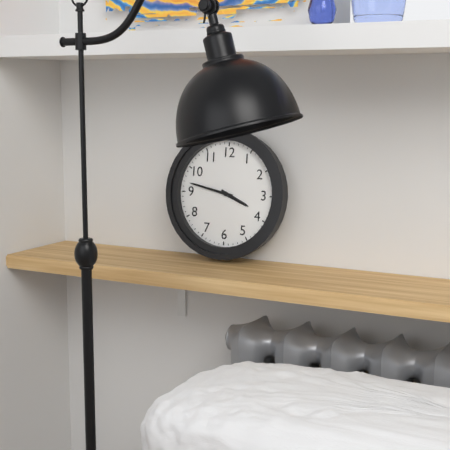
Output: 3h47
